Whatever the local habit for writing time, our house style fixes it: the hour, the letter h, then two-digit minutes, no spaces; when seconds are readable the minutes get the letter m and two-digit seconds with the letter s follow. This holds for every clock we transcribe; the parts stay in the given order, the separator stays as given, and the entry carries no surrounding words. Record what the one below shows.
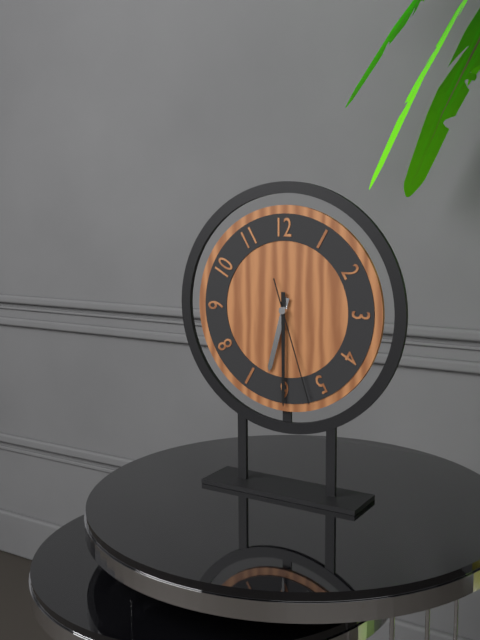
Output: 6h30m27s
